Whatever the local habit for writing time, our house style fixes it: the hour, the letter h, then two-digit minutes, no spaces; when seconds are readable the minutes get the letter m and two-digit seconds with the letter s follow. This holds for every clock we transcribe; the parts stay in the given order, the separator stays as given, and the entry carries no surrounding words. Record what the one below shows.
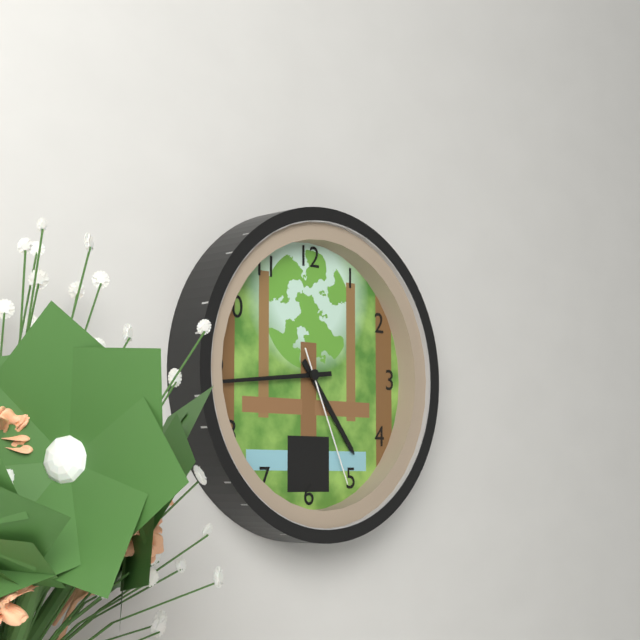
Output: 4h44m26s
